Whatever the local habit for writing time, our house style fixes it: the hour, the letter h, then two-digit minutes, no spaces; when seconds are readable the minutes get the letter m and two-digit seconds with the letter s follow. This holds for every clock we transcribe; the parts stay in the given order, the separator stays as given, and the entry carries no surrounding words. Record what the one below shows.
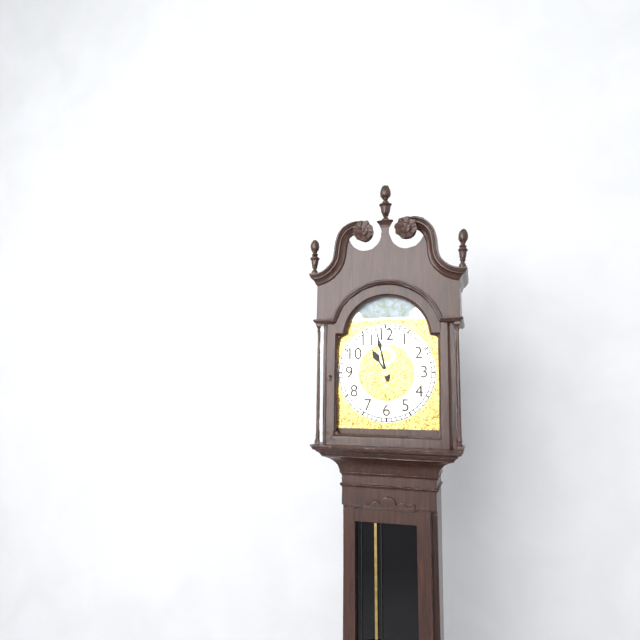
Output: 10h58
